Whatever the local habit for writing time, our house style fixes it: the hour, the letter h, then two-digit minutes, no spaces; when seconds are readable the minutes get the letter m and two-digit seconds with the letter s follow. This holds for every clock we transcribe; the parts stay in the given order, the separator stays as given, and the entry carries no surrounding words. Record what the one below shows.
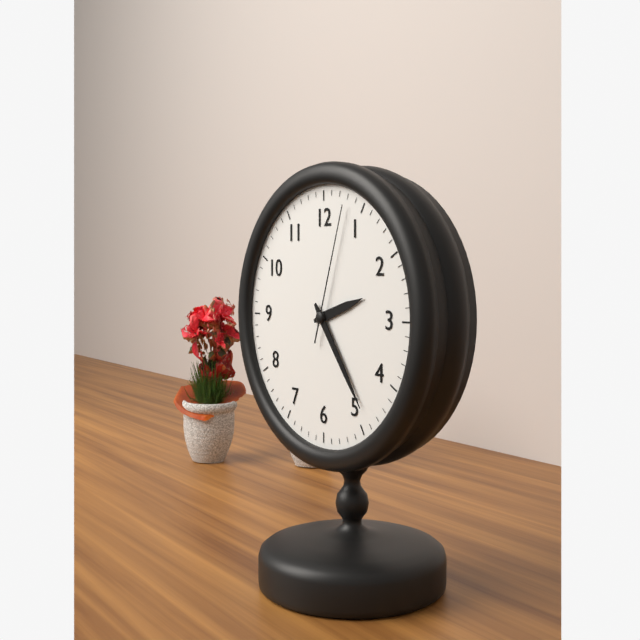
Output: 2h24m03s
